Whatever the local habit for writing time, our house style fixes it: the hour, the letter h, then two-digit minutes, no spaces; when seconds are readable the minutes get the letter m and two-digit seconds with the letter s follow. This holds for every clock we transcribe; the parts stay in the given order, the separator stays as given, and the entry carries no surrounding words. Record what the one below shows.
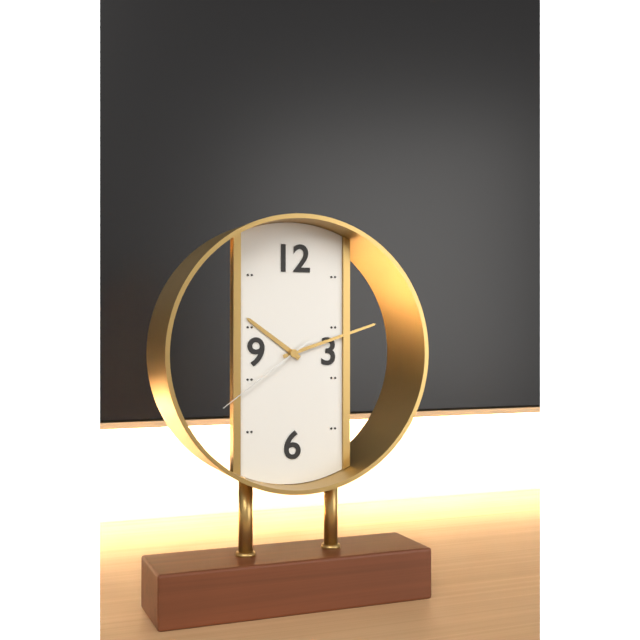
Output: 10h12m39s
